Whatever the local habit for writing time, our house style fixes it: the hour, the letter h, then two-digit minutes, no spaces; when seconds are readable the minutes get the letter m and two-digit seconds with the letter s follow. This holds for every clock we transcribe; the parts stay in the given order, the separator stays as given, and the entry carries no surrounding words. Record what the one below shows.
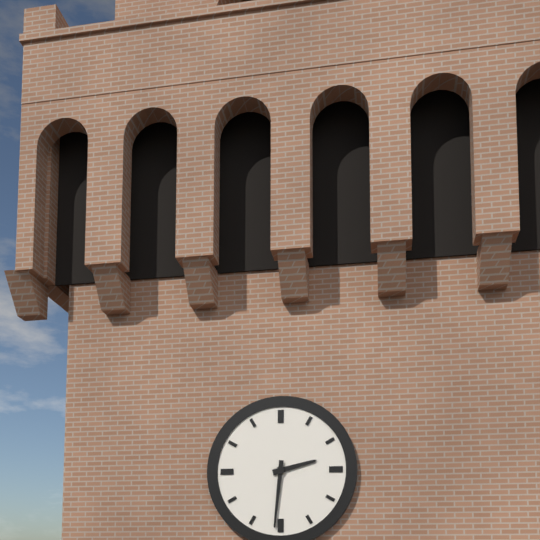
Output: 2h31
